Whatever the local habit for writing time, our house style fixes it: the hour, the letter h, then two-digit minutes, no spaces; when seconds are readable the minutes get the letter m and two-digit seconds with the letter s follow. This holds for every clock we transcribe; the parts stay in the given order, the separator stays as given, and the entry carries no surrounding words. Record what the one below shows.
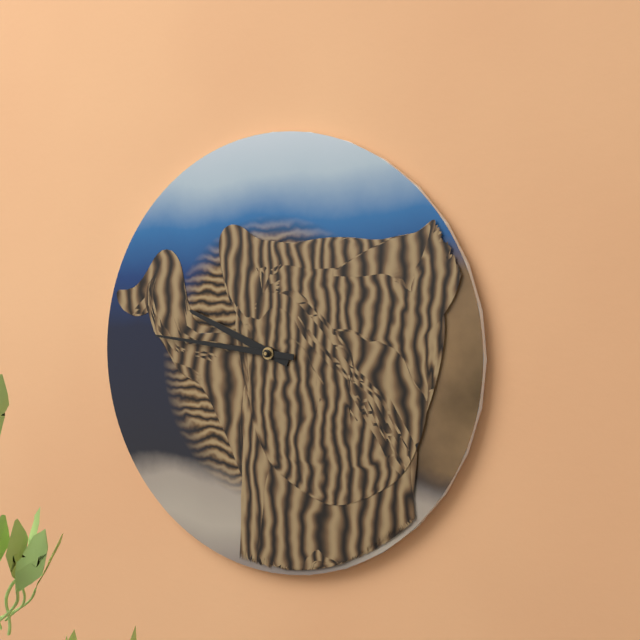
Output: 9h46
